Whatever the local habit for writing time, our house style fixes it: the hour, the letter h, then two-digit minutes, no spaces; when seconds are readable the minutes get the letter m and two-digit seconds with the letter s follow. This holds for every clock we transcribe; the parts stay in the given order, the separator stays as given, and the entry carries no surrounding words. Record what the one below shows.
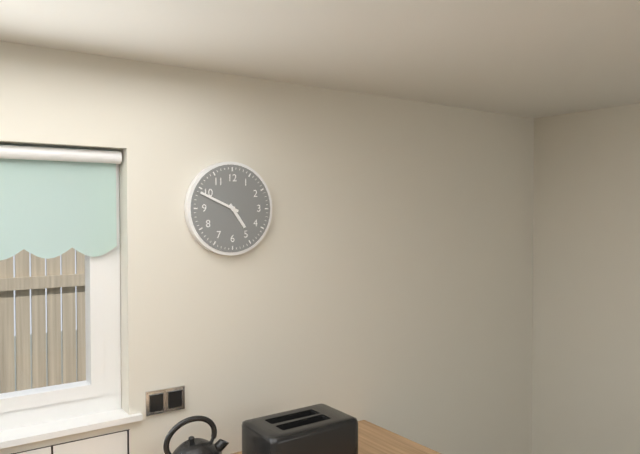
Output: 4h49
